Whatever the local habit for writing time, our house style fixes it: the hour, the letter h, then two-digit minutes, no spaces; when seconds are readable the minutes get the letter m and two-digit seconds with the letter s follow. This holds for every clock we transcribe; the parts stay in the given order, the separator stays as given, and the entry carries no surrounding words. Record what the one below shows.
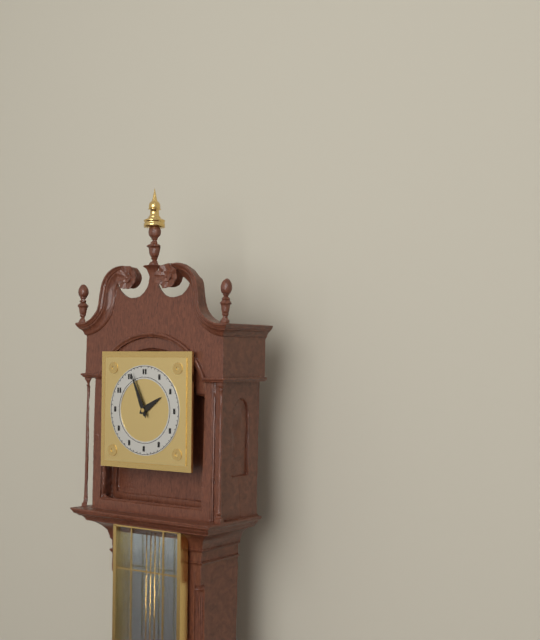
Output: 1h56
